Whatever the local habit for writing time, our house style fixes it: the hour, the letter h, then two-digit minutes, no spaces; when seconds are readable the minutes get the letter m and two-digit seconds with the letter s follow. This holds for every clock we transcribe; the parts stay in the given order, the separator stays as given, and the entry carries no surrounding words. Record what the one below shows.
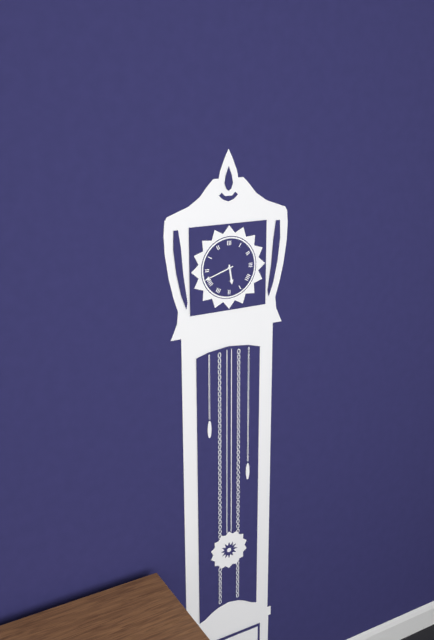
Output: 5h42
